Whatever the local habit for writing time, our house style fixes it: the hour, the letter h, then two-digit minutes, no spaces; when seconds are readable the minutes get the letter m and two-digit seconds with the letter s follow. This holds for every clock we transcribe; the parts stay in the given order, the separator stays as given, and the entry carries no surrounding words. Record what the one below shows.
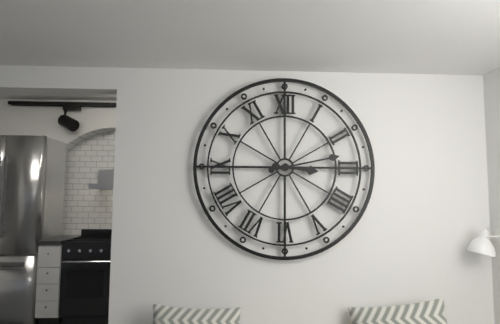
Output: 3h13
